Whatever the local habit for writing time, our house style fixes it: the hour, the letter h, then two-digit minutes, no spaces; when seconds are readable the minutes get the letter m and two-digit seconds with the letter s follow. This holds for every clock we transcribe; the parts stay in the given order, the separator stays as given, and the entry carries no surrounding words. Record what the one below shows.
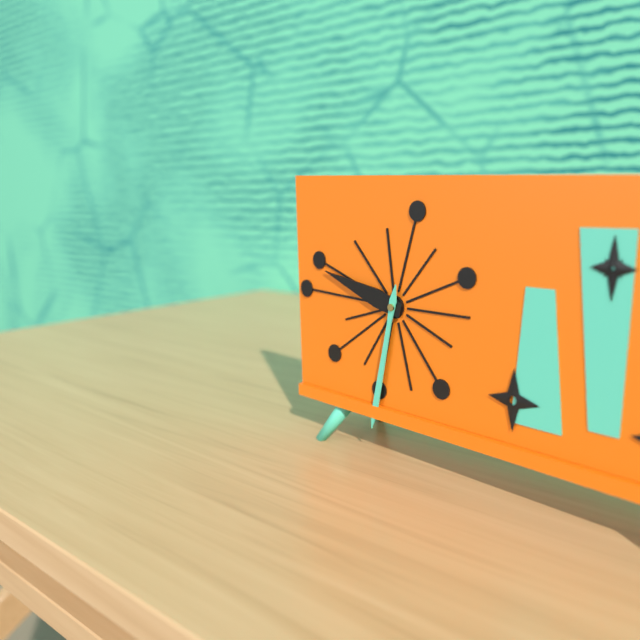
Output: 9h32
